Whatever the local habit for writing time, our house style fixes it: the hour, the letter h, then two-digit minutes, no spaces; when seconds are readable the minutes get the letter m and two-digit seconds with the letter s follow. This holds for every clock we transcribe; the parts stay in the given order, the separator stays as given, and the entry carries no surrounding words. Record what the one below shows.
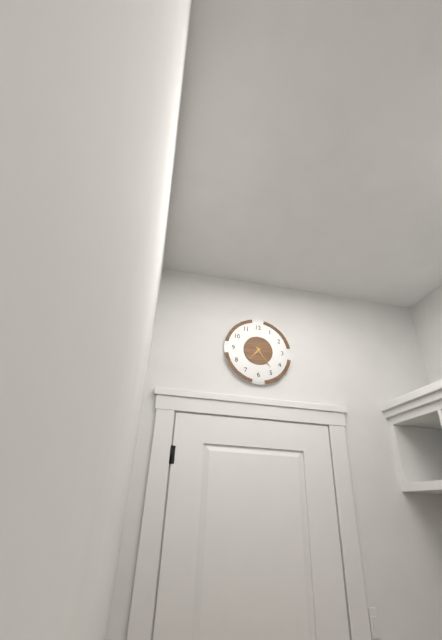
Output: 7h24
